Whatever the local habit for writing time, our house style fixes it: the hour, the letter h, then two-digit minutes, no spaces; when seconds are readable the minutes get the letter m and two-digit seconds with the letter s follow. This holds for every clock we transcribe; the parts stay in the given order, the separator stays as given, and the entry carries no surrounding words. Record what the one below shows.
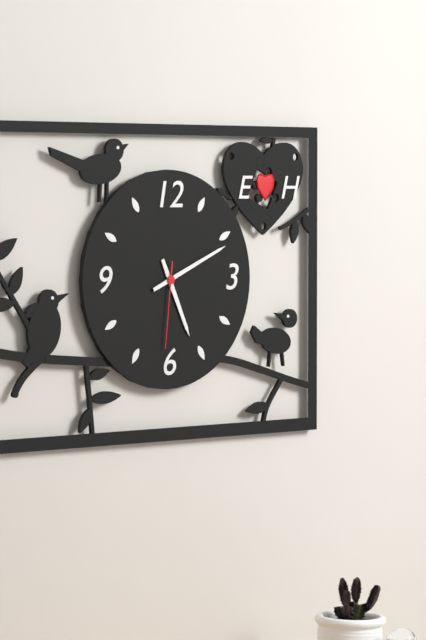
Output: 5h11m31s
